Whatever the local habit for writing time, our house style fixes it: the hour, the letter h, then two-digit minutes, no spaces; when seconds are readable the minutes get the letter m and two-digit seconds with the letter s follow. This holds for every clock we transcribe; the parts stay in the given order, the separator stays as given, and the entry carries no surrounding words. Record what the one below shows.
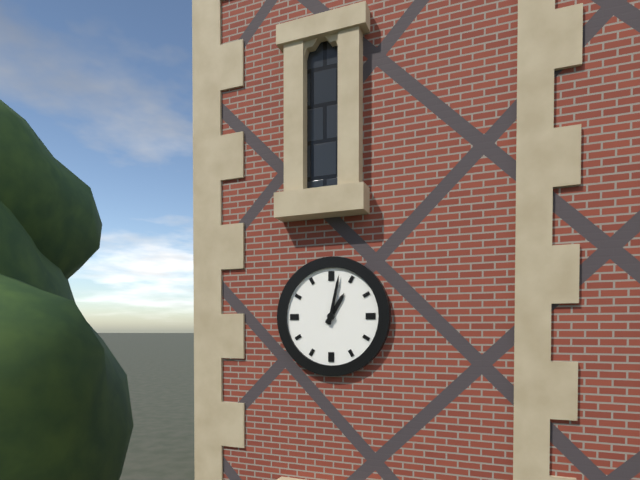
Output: 1h02
